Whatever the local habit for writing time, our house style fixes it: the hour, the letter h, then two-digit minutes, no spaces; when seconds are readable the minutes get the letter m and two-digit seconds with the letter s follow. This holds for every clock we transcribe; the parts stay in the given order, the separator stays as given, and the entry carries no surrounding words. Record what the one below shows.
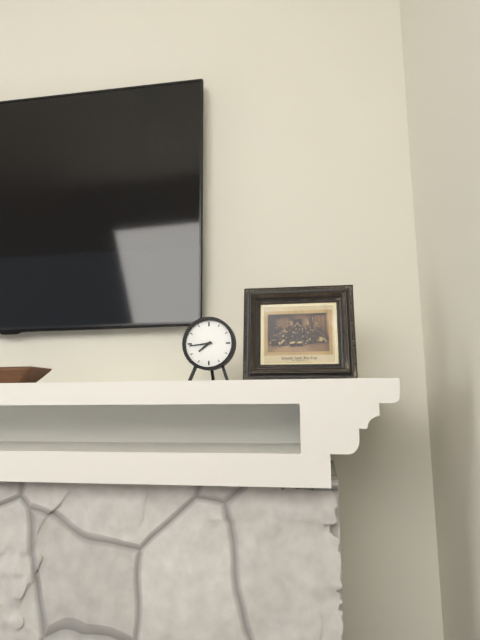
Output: 7h44
